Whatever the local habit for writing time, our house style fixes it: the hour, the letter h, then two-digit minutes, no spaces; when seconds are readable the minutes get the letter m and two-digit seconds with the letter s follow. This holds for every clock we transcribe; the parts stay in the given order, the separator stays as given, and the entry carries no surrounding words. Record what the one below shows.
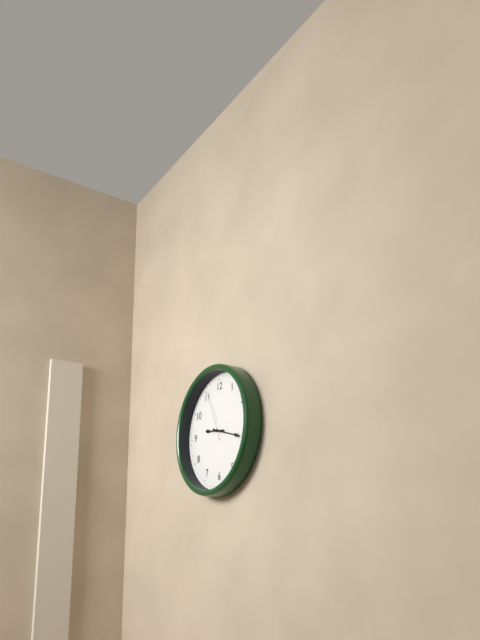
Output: 9h18m56s
